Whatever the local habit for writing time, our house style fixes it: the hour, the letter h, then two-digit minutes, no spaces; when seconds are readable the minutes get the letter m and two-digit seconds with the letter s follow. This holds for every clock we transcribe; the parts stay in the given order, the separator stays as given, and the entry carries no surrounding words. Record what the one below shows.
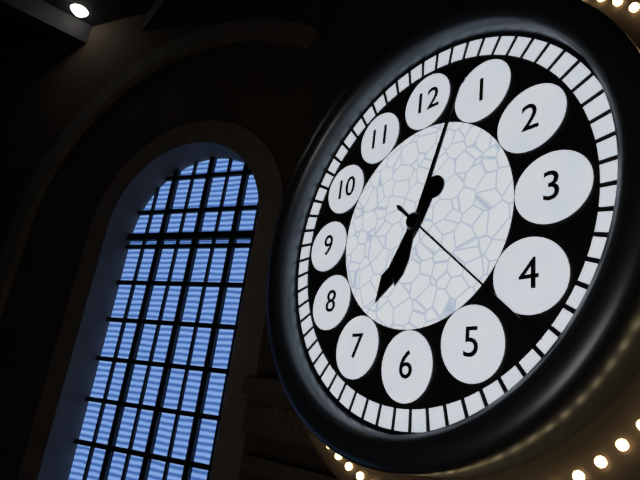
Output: 7h03m22s
